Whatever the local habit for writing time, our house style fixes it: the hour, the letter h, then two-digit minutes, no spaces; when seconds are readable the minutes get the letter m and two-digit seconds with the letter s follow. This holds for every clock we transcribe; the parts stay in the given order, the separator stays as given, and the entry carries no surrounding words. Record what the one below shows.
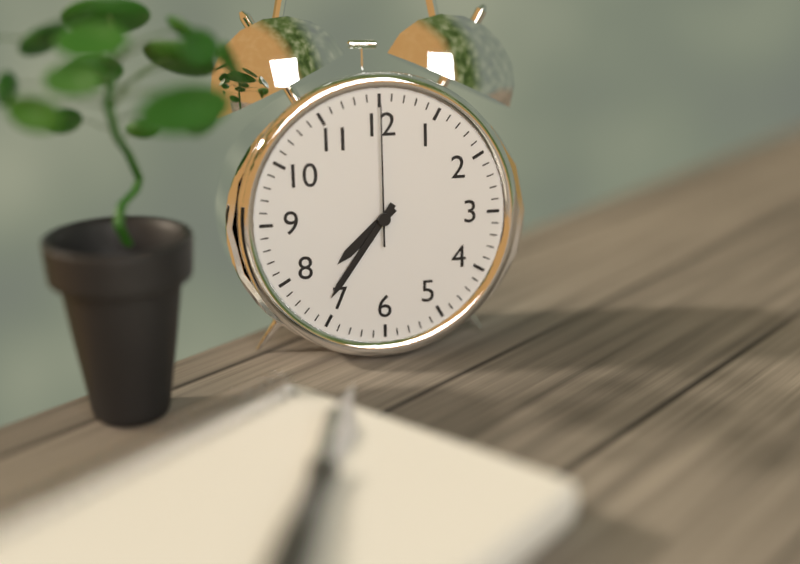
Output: 7h36m00s
